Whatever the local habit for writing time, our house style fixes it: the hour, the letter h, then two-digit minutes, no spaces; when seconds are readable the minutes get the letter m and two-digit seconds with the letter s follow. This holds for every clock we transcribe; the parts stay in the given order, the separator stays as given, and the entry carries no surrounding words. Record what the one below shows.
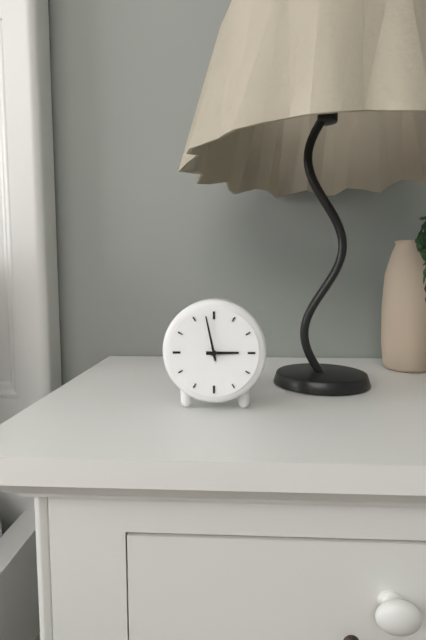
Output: 2h58
